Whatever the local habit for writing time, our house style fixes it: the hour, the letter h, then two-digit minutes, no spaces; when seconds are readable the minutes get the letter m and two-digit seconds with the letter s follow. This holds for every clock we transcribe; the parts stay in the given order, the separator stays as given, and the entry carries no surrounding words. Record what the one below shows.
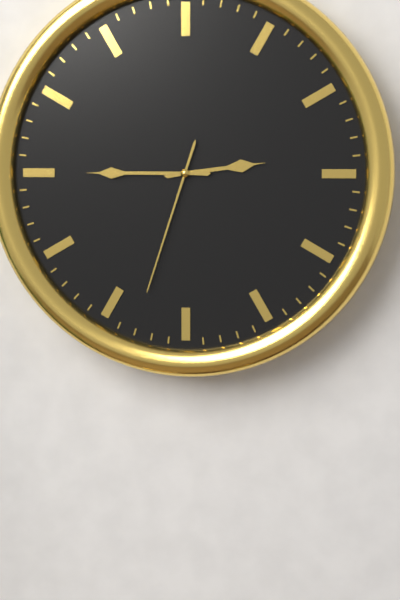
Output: 2h45m33s
